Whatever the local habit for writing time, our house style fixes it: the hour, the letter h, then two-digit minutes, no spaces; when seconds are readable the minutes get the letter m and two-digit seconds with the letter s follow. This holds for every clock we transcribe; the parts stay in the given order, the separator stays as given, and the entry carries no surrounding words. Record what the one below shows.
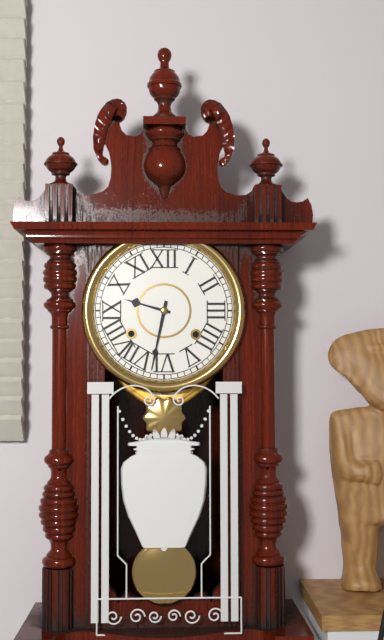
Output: 9h32
